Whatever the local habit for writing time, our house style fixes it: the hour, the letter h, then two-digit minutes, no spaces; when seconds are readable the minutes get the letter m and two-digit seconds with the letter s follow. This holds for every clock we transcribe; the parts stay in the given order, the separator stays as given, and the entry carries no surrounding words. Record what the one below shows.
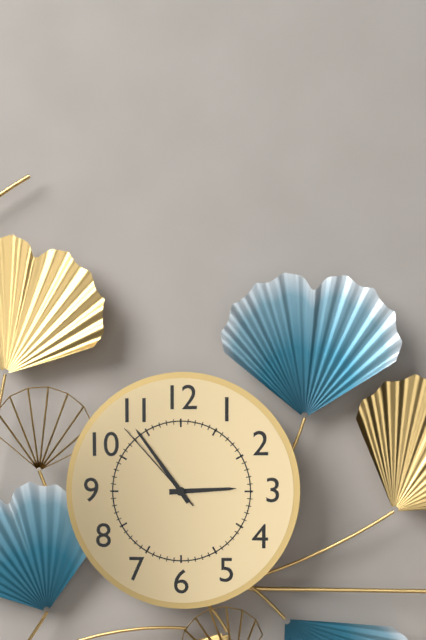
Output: 2h54m53s
